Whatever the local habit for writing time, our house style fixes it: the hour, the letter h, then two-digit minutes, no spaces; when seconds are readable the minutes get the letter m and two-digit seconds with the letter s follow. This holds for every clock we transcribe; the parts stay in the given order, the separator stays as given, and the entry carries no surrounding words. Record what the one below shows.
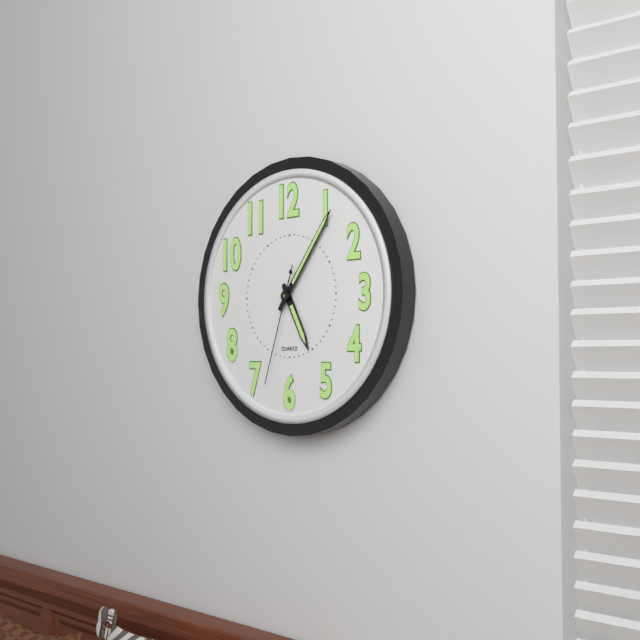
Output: 5h06m33s
